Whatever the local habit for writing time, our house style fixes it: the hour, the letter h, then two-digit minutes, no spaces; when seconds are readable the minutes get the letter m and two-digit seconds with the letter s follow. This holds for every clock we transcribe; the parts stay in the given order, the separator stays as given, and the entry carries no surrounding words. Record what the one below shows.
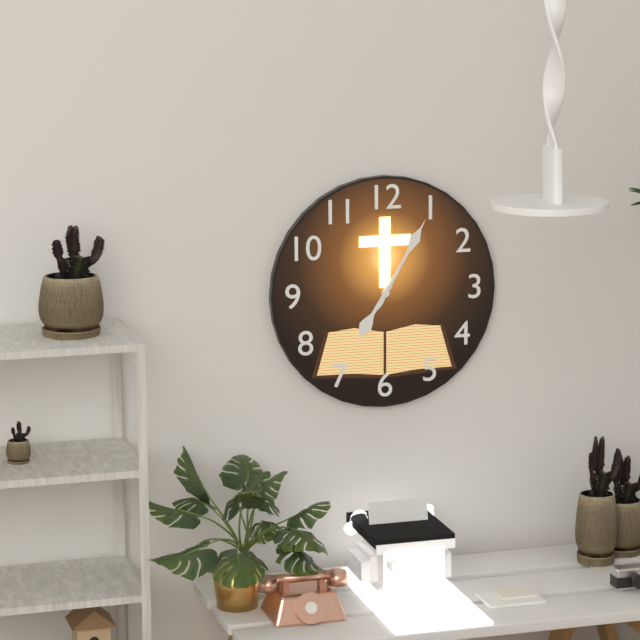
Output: 7h05
